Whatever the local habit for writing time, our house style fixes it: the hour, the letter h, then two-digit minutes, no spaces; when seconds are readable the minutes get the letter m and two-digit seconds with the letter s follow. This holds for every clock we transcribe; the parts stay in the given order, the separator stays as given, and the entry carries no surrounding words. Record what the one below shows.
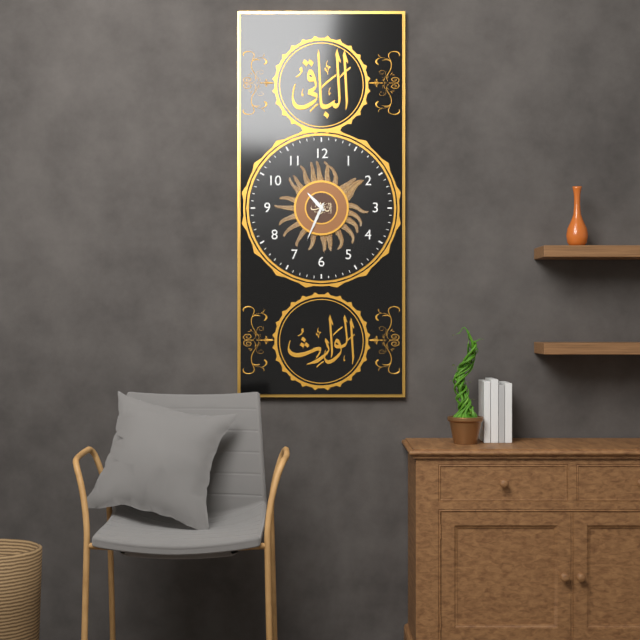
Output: 10h34
